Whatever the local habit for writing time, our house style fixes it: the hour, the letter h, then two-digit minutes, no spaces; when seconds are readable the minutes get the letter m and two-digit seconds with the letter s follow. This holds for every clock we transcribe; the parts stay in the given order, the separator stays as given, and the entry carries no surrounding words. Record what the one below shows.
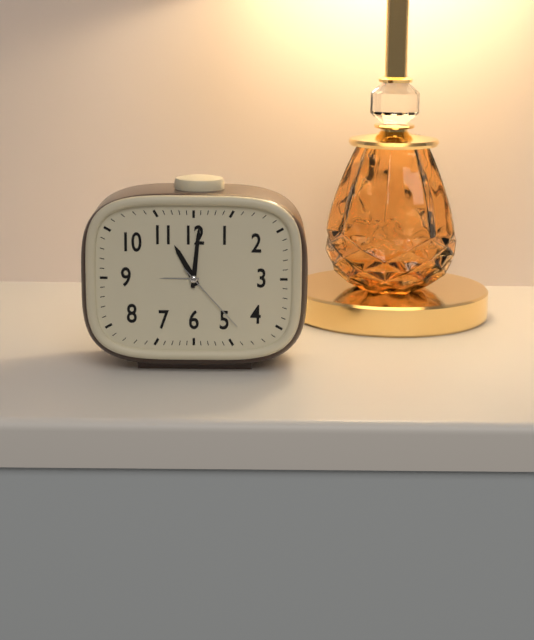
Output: 11h01m23s
